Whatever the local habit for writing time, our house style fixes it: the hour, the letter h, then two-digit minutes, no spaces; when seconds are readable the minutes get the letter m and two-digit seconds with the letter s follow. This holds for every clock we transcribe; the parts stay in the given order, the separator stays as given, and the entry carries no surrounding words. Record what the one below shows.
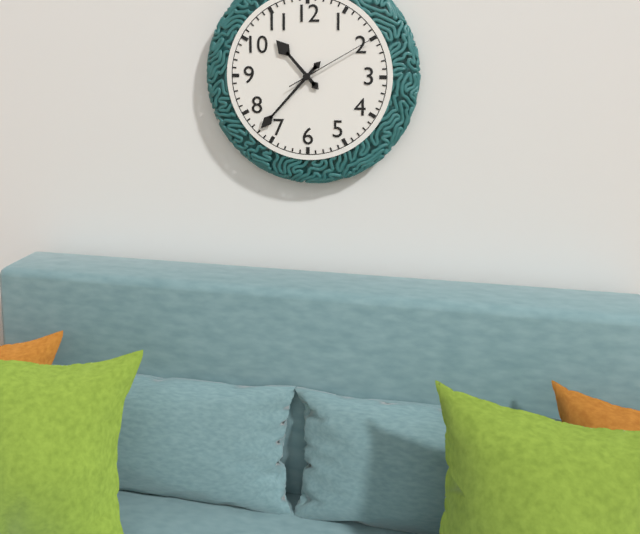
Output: 10h37m10s
